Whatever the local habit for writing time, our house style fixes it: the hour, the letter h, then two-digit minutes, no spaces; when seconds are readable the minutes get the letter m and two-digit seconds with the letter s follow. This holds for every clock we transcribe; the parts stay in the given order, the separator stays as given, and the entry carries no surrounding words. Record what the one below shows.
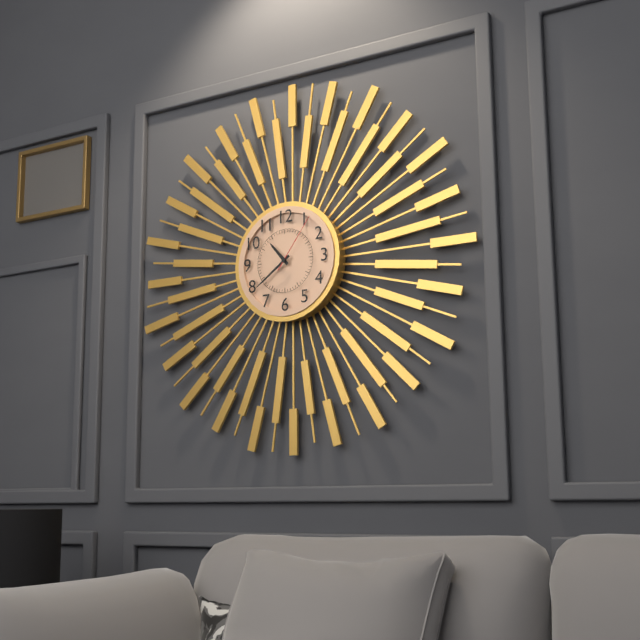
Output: 10h39m06s
